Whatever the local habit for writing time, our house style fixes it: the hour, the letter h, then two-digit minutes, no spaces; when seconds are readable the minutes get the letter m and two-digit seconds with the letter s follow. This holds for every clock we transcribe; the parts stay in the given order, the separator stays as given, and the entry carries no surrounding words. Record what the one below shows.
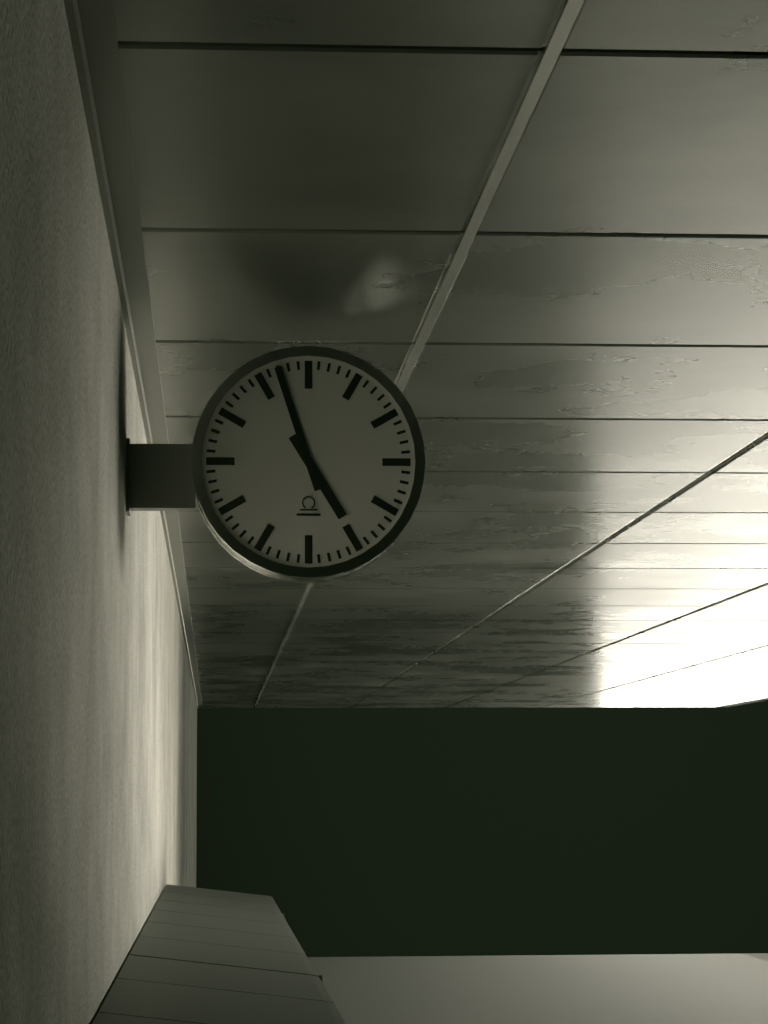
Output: 4h57
